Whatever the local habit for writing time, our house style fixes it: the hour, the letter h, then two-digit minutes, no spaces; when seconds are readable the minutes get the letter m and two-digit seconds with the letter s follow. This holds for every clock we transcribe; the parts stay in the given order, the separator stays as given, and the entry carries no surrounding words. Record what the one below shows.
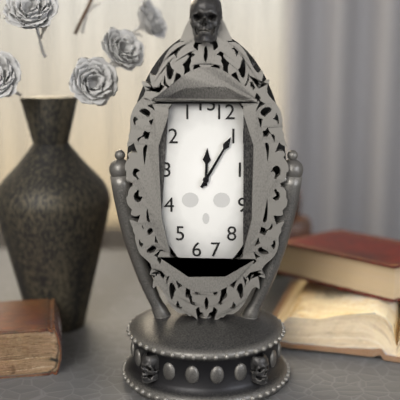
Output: 12h05
